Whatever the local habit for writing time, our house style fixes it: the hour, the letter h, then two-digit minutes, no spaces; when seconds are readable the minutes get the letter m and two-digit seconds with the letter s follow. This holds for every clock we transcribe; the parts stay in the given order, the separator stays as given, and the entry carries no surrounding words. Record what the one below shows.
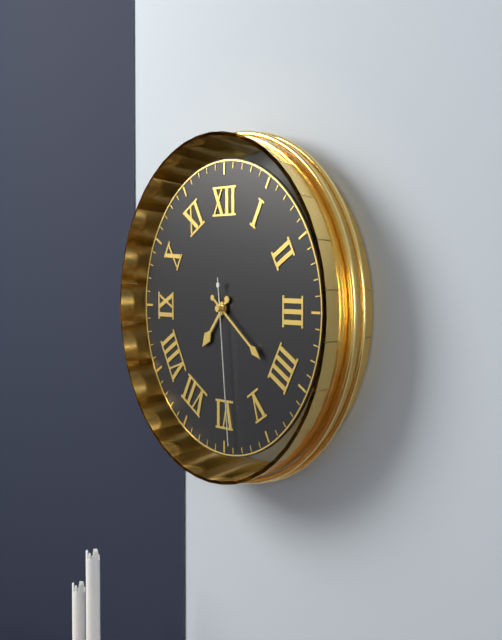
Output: 7h21m29s
